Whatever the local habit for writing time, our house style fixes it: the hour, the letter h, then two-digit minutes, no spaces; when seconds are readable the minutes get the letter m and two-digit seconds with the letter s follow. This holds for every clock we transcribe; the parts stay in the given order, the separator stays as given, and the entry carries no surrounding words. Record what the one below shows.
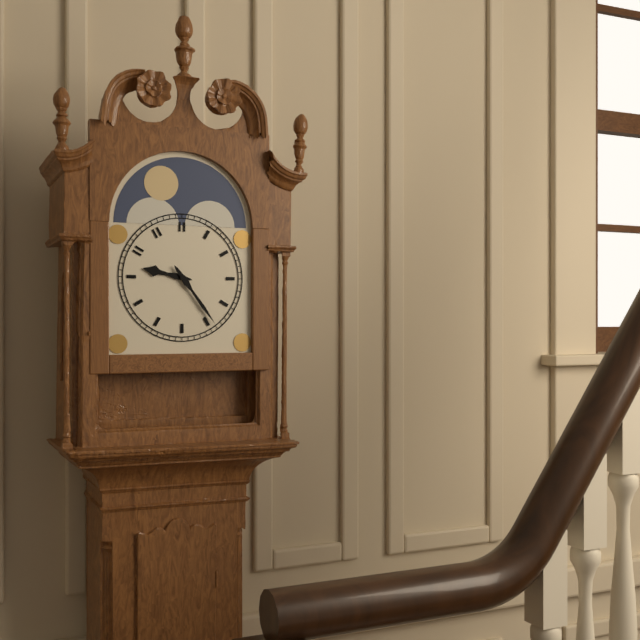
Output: 9h24
